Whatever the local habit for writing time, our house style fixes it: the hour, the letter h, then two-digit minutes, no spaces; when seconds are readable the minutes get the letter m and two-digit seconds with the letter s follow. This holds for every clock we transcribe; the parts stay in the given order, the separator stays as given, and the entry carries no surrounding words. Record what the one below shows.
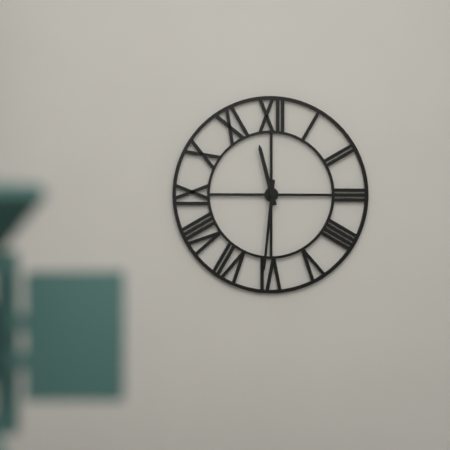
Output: 11h31
